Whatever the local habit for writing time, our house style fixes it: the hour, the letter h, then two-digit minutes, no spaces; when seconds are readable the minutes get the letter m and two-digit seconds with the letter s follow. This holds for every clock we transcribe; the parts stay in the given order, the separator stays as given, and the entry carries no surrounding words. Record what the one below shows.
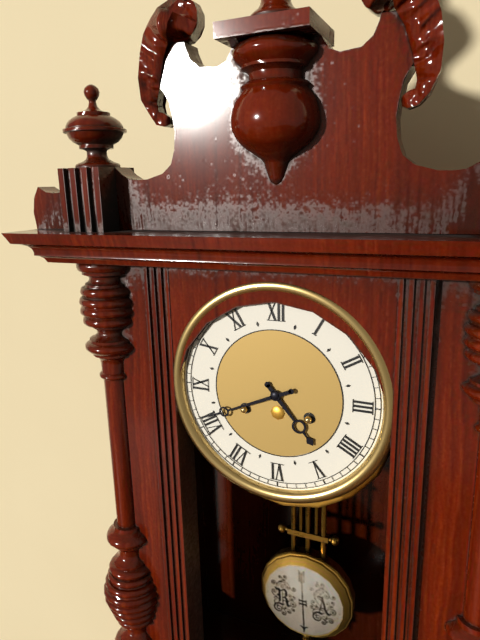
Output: 4h41
